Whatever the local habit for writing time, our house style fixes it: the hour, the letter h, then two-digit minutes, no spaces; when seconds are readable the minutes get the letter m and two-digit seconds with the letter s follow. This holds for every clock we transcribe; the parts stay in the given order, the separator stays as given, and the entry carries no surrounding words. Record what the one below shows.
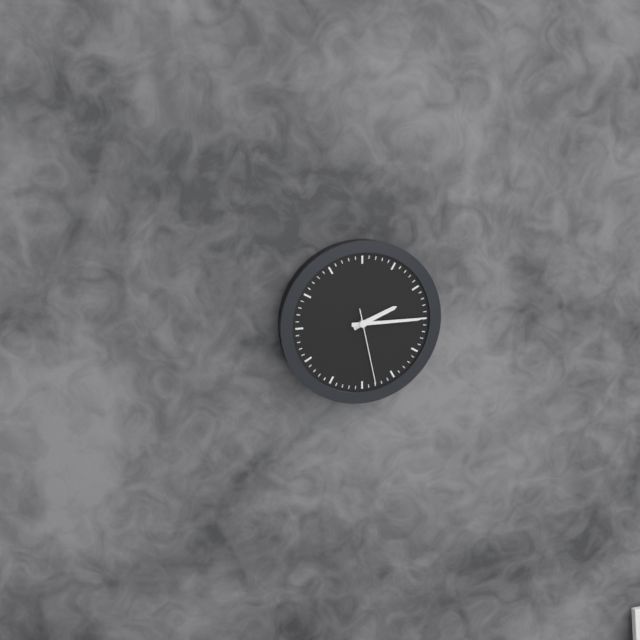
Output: 2h15m28s
